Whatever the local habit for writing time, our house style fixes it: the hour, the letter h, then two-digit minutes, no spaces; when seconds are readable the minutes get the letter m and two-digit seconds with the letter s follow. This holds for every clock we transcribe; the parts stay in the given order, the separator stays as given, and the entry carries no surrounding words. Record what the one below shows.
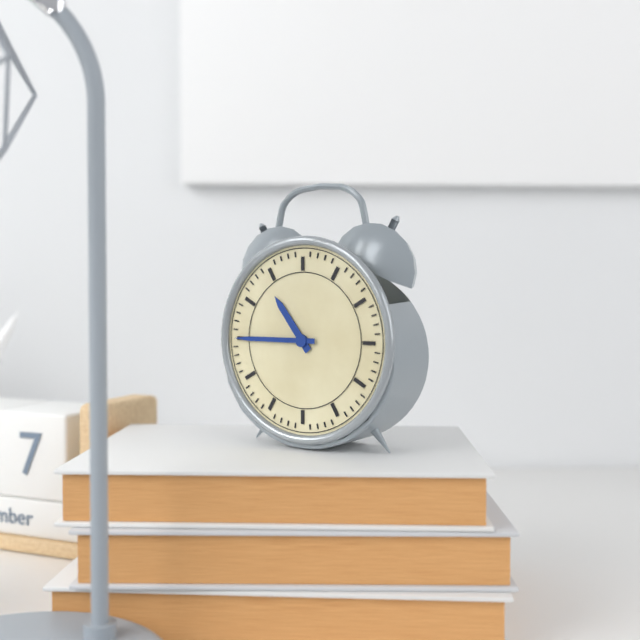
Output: 10h45
